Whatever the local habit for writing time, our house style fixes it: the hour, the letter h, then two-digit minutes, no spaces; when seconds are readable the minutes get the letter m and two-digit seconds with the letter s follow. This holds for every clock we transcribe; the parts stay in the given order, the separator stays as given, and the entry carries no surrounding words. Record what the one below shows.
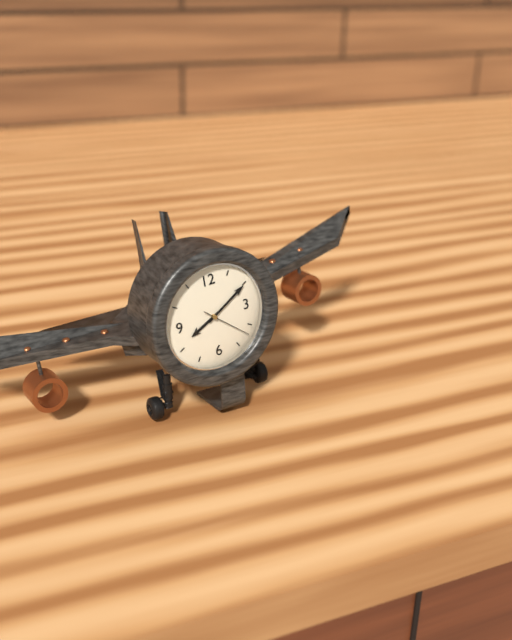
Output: 8h10m22s
